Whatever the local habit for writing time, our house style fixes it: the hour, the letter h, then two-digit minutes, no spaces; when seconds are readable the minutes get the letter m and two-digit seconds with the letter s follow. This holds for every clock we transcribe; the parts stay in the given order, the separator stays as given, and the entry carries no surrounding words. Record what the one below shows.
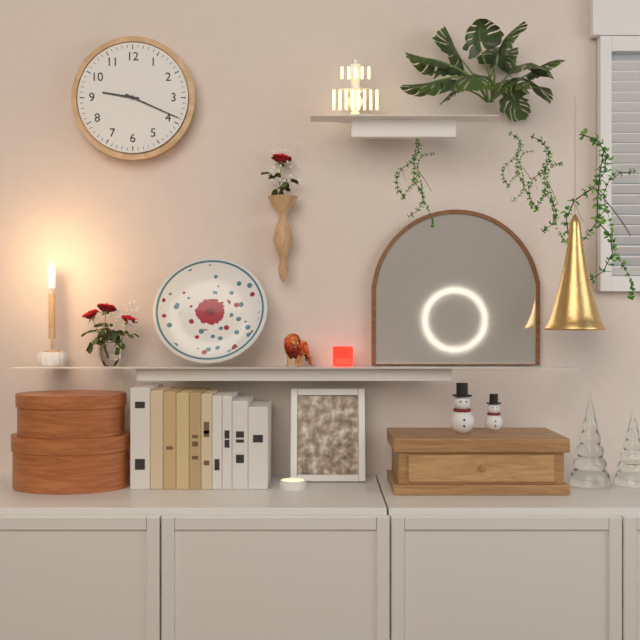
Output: 9h19
